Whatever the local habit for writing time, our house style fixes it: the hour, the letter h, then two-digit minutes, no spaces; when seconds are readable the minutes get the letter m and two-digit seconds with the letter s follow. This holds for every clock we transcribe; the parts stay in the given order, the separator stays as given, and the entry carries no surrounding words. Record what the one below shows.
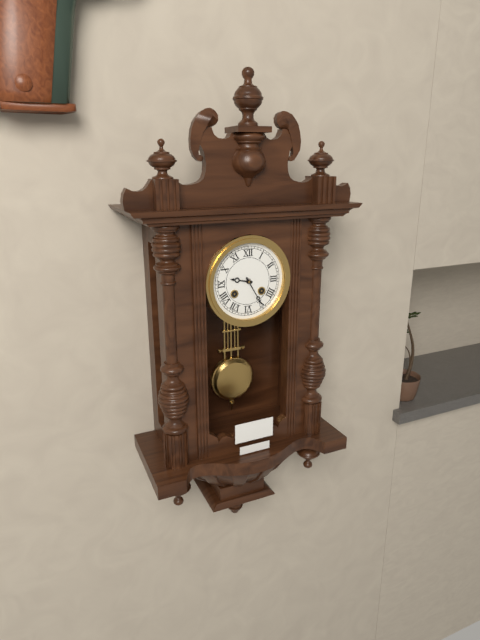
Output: 9h25
